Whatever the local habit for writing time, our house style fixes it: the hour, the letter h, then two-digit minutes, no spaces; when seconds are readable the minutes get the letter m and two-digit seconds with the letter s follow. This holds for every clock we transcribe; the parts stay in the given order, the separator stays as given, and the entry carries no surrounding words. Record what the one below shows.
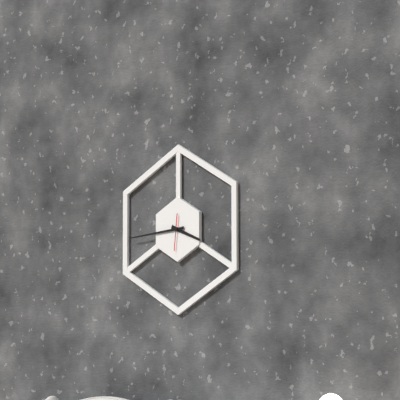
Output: 3h44
